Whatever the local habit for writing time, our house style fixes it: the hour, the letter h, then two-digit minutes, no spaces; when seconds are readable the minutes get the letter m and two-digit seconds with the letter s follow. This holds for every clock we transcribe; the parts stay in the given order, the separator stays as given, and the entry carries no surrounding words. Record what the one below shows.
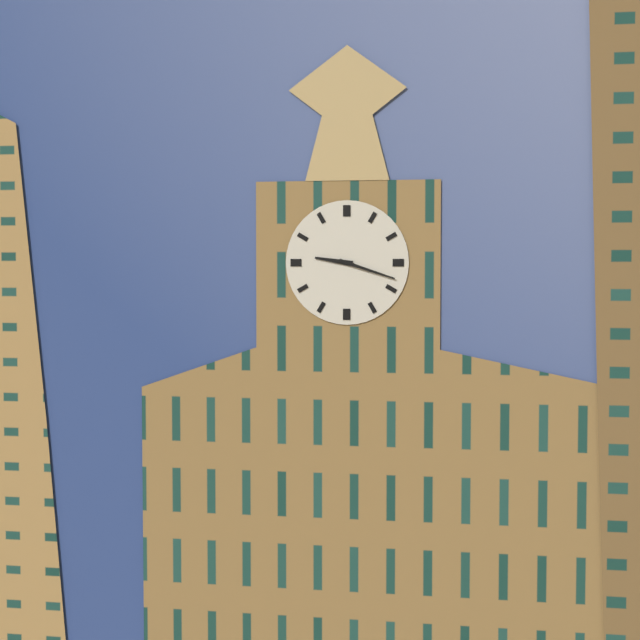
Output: 9h18
